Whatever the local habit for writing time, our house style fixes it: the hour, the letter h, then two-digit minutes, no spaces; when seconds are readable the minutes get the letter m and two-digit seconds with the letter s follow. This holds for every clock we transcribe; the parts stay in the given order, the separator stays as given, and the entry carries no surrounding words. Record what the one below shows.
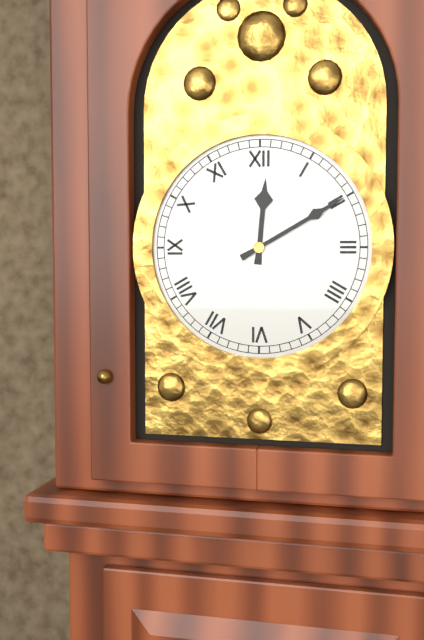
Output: 12h10
